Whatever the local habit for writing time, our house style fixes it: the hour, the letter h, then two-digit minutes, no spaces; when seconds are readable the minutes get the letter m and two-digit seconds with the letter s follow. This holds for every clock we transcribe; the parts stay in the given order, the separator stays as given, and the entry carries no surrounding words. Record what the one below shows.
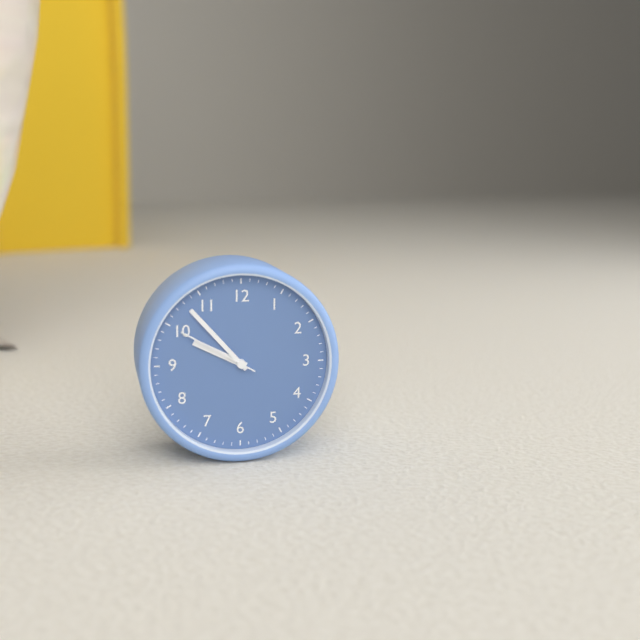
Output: 9h53m50s
